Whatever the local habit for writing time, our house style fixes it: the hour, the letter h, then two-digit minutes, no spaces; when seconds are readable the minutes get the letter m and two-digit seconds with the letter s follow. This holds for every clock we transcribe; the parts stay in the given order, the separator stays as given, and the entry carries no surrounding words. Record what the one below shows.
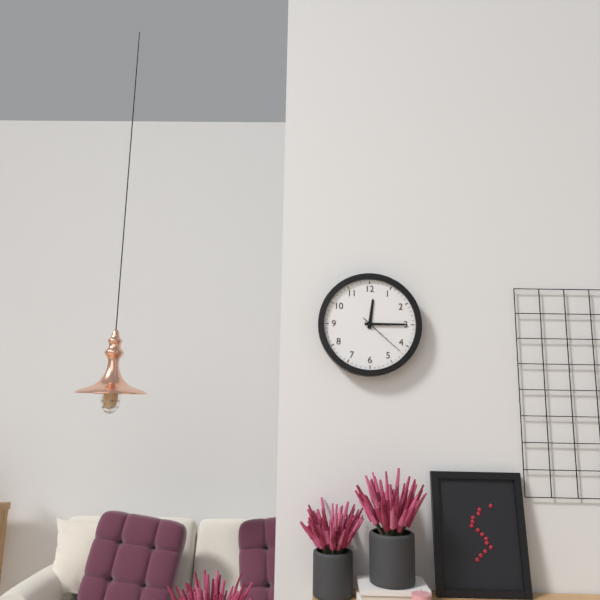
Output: 12h15m22s
